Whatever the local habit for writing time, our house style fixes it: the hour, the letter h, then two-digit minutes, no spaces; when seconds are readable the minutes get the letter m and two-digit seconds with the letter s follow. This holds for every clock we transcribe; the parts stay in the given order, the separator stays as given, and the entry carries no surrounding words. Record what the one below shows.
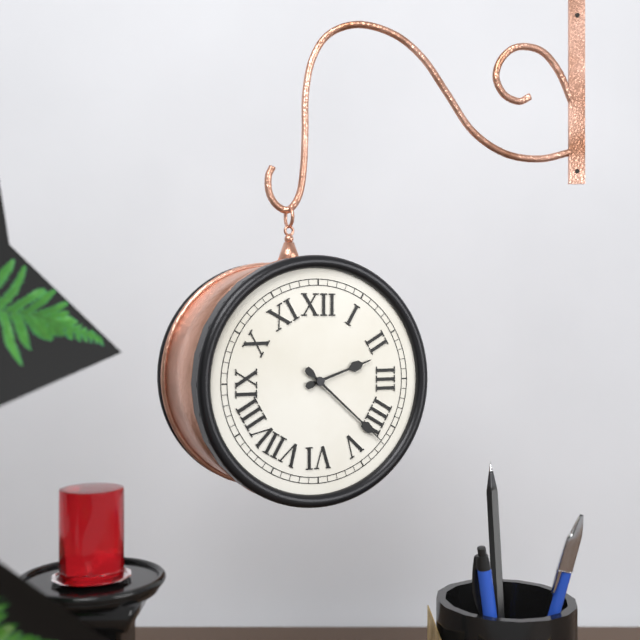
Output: 2h22
